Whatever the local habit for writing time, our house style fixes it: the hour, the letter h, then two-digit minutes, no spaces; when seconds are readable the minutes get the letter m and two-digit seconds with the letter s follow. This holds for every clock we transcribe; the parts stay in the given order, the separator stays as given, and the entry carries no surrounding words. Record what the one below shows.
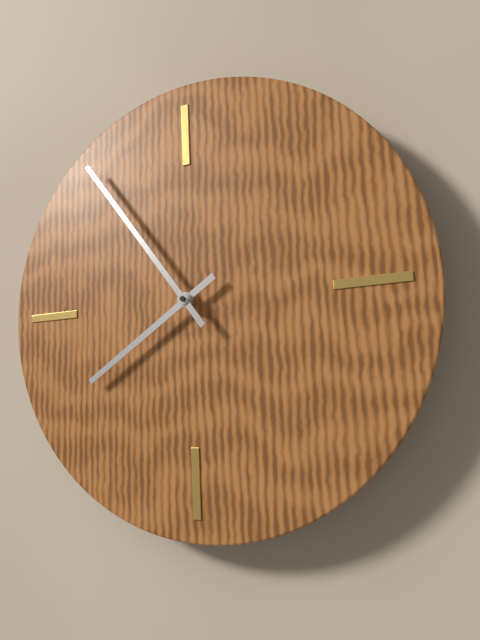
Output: 7h54
